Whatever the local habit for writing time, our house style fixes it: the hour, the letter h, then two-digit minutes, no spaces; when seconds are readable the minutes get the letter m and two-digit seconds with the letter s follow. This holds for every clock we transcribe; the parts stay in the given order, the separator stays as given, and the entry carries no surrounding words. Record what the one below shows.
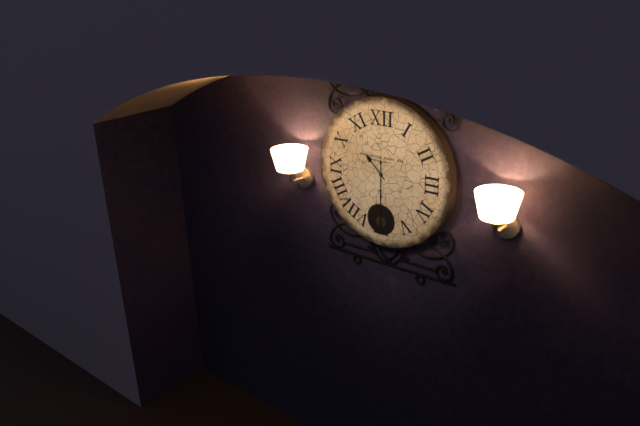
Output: 10h30
